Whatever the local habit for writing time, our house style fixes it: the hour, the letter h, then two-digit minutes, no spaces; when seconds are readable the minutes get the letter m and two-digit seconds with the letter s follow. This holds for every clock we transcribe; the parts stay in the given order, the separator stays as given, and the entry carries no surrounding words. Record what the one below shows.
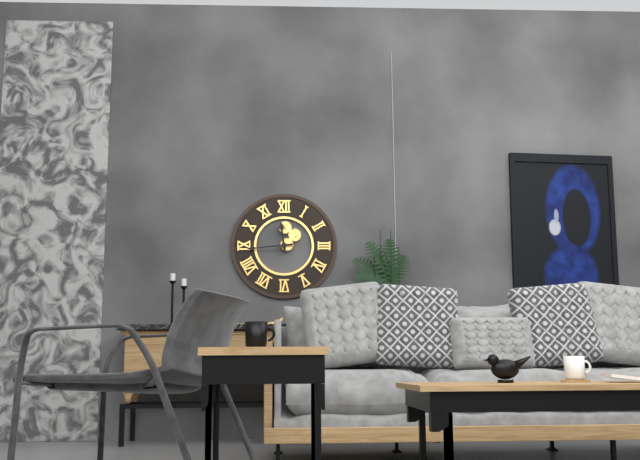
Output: 11h44
